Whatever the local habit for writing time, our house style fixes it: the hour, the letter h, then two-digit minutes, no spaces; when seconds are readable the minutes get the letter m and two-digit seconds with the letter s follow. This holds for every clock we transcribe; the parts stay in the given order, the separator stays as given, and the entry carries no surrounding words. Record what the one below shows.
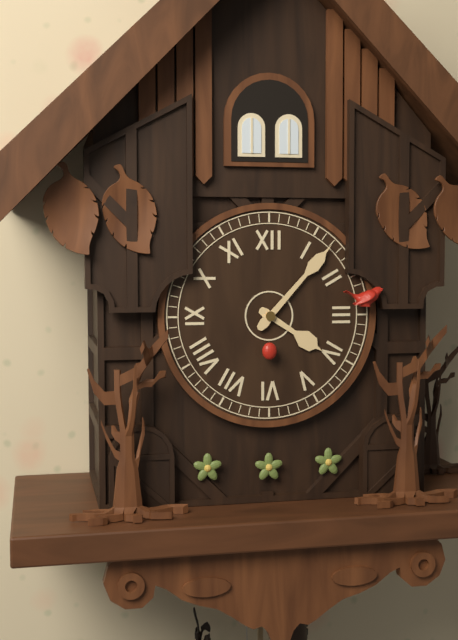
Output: 4h07
